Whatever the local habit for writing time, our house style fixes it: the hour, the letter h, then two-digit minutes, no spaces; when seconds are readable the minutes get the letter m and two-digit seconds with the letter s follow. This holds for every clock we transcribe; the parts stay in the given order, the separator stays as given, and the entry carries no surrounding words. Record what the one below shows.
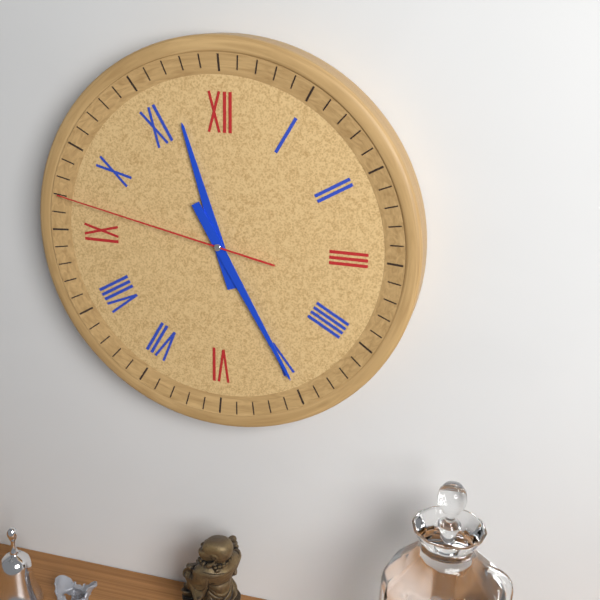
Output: 11h25m47s
